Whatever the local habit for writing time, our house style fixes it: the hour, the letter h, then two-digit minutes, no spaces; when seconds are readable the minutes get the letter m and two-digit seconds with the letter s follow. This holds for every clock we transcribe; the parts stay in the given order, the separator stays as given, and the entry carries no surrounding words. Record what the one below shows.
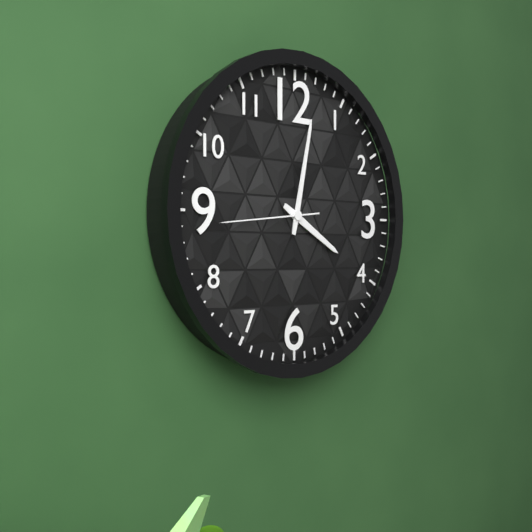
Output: 4h02m44s
